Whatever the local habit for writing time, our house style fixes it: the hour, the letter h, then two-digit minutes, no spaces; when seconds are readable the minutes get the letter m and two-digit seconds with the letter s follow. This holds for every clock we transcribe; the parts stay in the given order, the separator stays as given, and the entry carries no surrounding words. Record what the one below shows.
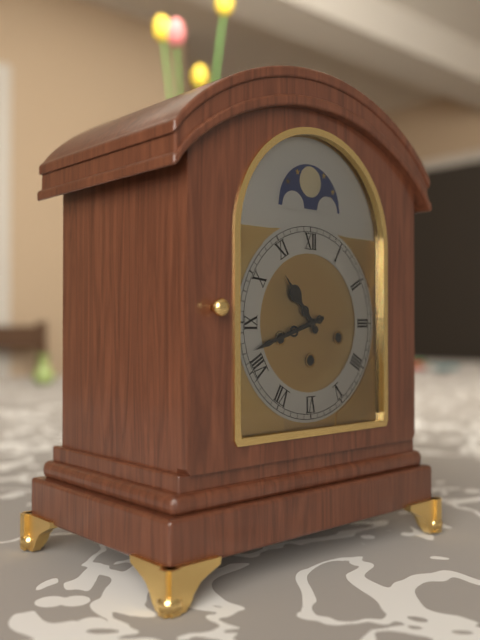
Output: 10h42
